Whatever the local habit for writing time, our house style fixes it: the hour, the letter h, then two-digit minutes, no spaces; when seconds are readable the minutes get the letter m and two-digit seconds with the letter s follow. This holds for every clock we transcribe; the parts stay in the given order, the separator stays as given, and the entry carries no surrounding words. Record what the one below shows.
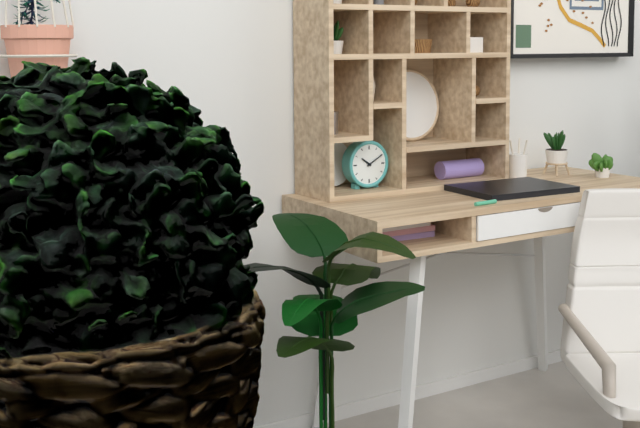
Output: 10h10
